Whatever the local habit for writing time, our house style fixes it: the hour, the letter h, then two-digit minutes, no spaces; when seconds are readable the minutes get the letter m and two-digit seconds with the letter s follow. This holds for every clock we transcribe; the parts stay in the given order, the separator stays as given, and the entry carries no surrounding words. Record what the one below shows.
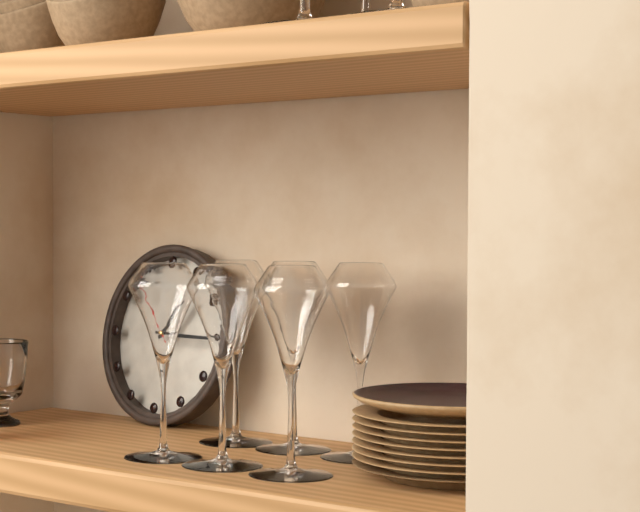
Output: 1h15m53s
